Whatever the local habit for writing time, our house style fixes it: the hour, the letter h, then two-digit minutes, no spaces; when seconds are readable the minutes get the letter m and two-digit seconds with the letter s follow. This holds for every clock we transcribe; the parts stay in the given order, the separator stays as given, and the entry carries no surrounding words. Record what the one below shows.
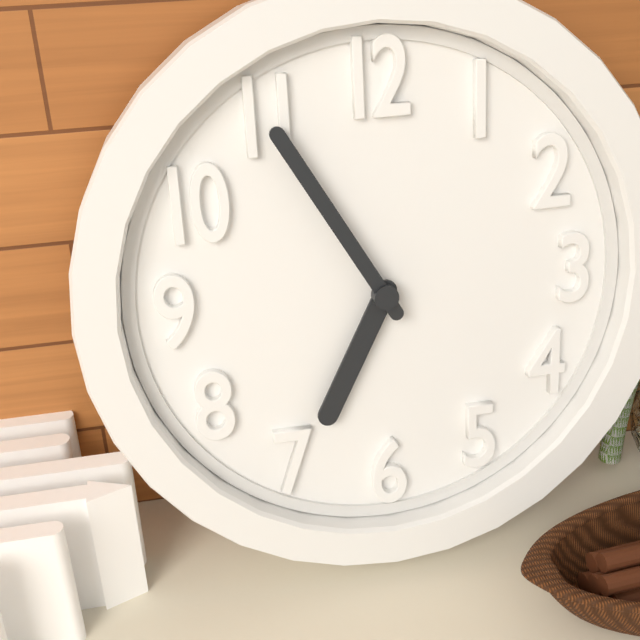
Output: 6h55
